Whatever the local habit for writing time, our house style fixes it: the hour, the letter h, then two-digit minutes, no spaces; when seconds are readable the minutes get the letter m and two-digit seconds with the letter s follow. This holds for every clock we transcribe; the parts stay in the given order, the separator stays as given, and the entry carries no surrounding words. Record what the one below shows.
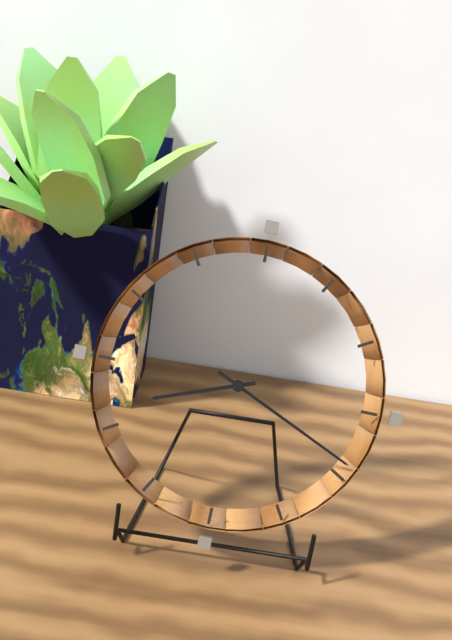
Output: 8h19
